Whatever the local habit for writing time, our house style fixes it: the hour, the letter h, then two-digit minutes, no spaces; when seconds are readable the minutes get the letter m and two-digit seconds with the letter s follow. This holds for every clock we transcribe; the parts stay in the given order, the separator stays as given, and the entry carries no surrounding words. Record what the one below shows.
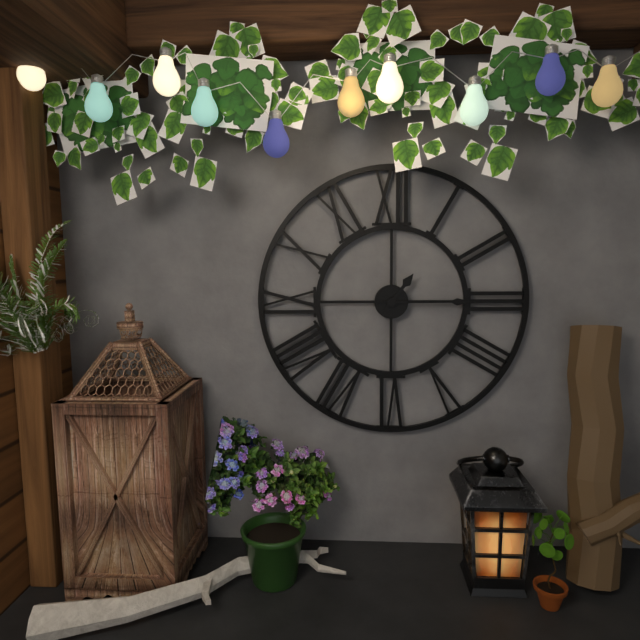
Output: 1h15
